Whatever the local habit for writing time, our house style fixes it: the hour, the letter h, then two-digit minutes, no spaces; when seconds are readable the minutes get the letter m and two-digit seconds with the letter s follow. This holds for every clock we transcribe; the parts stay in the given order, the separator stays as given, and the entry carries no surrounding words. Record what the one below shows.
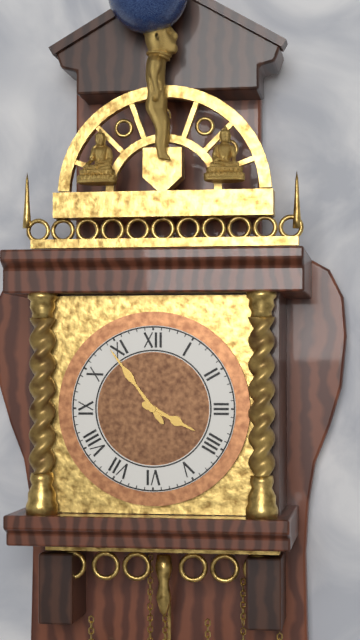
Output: 3h54
